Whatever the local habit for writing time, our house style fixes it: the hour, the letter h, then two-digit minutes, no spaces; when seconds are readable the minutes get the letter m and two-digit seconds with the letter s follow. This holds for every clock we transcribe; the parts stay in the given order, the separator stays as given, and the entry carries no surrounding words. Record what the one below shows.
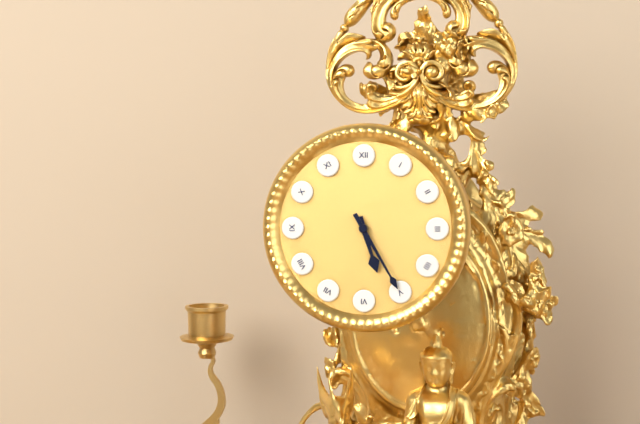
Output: 5h25
